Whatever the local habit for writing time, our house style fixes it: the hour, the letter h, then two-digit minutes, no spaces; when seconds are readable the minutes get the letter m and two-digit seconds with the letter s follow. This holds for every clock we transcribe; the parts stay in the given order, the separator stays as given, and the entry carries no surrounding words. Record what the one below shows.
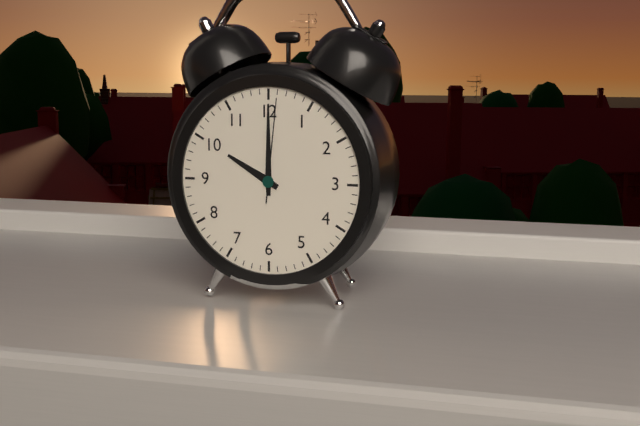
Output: 10h00m01s
